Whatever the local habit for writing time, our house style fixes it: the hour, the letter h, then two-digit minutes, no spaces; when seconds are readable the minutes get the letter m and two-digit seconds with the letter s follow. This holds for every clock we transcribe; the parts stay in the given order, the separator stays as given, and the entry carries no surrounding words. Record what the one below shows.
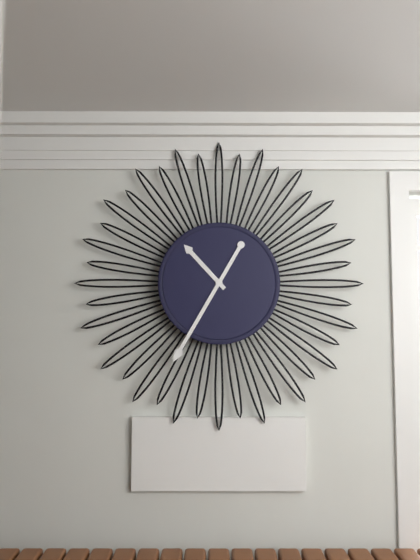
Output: 10h35
